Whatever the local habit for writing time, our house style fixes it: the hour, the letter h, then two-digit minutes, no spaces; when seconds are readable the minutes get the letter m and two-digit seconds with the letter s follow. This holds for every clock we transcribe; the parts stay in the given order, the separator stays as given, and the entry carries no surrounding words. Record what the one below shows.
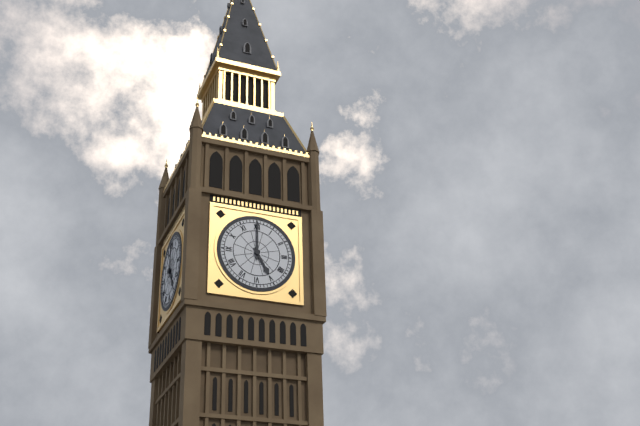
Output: 5h00
